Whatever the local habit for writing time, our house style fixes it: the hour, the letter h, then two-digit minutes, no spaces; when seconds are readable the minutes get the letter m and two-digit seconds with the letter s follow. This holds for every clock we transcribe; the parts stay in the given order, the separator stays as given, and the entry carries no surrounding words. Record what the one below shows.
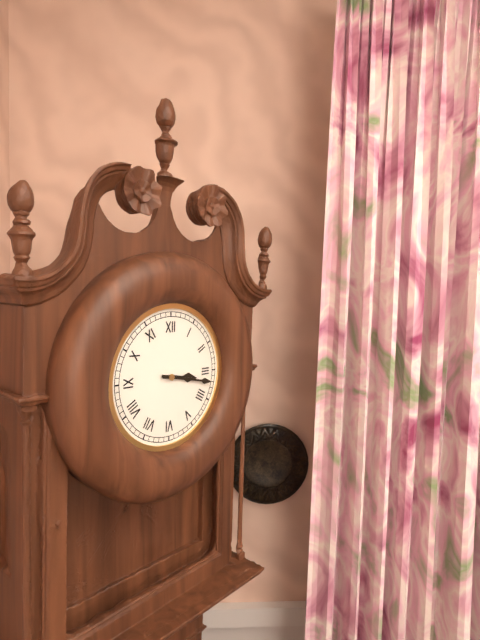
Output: 3h17
